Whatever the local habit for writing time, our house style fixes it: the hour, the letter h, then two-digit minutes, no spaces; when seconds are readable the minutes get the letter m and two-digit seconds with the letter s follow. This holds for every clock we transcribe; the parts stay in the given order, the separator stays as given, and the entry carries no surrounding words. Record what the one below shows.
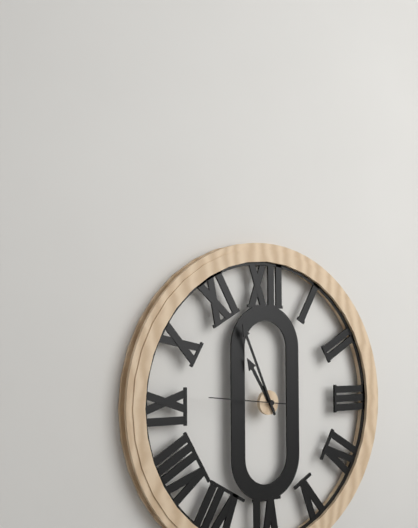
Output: 10h56m46s
